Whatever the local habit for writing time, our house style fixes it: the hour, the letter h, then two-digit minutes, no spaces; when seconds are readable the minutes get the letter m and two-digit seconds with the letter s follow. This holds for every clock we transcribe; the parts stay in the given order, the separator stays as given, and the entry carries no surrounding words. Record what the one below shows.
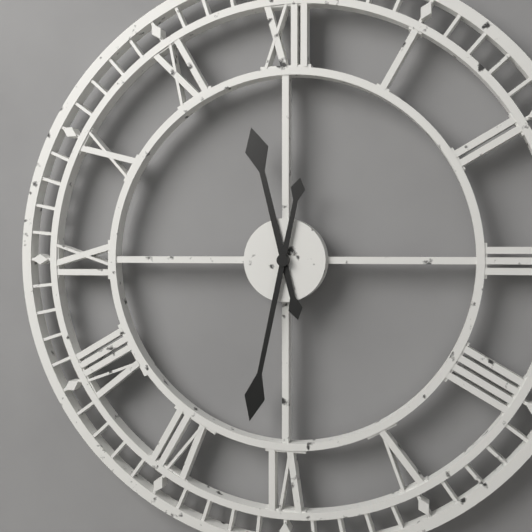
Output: 11h32
